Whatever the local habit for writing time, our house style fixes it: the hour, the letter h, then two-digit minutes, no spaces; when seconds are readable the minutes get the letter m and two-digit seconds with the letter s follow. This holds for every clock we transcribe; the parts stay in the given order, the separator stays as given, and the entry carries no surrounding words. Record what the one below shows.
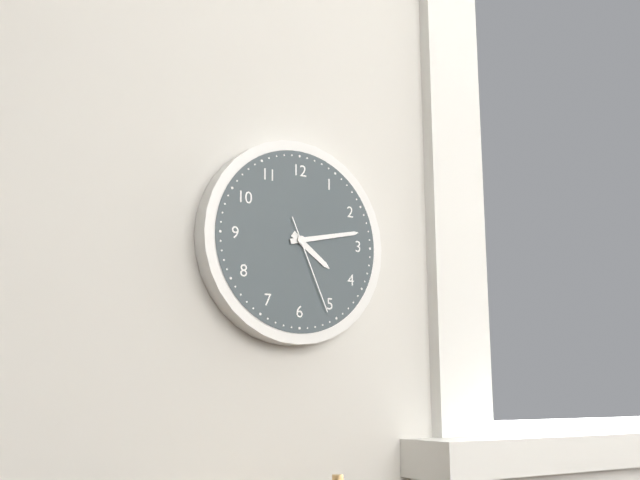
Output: 4h13m26s
